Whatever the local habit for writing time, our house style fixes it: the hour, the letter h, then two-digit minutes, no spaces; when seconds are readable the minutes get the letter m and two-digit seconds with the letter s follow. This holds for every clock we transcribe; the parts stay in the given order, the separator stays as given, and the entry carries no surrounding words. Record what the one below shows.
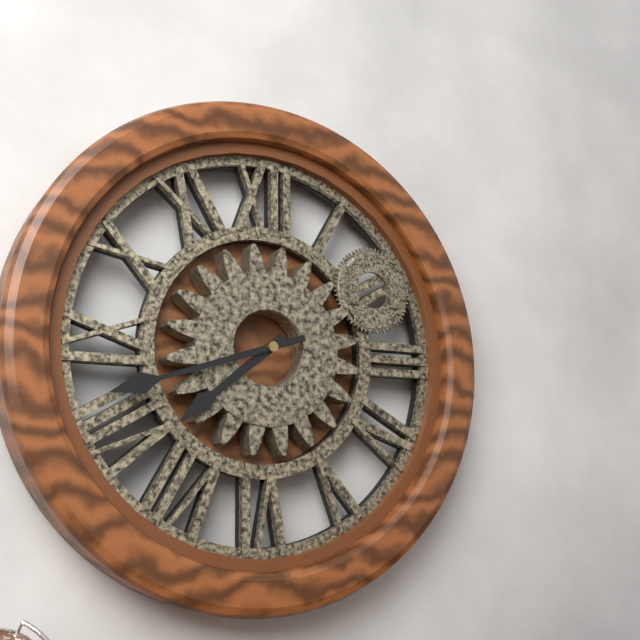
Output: 7h42
